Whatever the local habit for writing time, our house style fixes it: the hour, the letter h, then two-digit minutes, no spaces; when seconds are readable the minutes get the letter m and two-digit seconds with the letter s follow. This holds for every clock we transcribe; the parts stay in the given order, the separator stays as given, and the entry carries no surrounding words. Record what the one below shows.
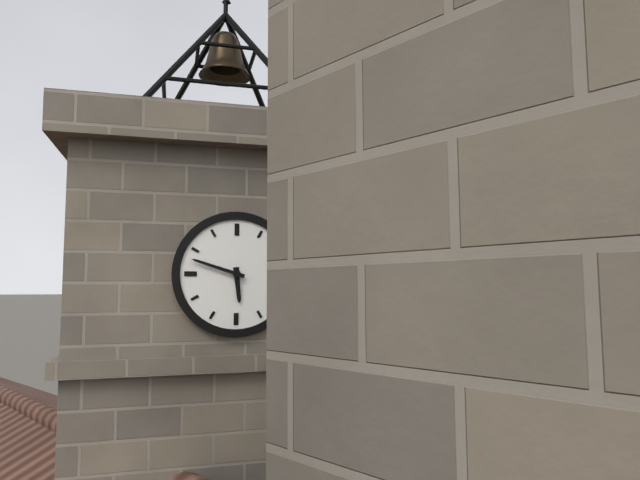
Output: 5h48
